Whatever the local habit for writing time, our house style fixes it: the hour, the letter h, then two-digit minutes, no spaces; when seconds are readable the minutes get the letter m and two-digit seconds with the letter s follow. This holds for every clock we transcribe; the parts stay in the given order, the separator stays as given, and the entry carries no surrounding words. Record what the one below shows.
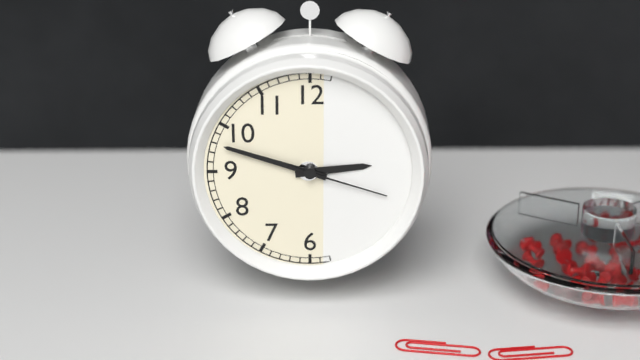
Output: 2h48m18s
